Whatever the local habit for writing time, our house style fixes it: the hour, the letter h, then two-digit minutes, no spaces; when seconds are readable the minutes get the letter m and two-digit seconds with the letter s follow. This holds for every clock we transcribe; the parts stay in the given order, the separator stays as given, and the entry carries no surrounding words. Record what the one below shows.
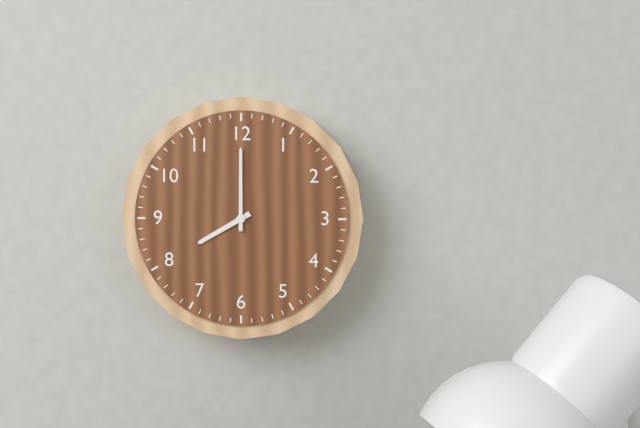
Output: 8h00
